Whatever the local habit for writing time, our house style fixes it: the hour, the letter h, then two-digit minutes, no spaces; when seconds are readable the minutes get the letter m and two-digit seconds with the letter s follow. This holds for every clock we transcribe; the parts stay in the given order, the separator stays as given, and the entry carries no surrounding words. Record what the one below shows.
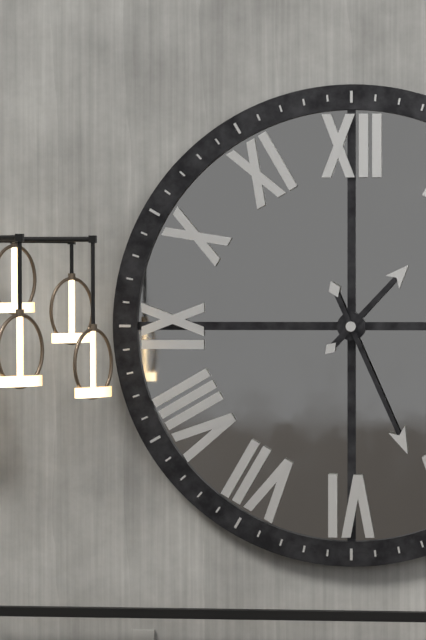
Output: 1h26
